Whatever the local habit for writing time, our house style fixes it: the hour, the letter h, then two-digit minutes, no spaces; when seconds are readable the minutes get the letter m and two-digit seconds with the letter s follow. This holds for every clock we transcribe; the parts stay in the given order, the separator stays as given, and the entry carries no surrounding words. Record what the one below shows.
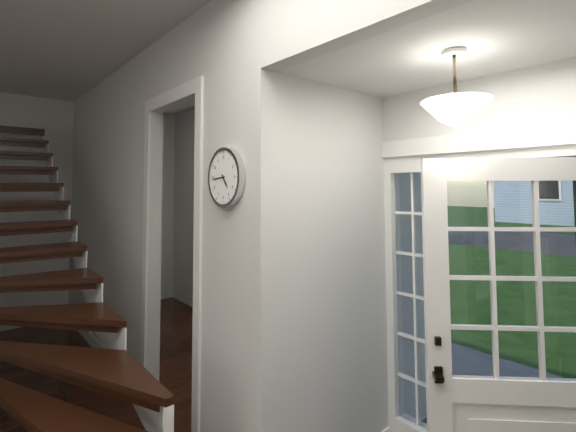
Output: 4h44
